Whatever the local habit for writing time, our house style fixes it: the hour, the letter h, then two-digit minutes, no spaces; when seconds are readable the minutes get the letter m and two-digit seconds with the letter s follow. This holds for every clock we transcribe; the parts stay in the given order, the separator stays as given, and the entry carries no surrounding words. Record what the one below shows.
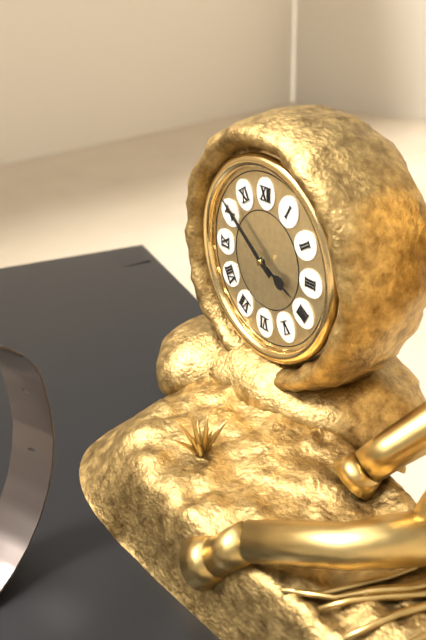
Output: 3h51
